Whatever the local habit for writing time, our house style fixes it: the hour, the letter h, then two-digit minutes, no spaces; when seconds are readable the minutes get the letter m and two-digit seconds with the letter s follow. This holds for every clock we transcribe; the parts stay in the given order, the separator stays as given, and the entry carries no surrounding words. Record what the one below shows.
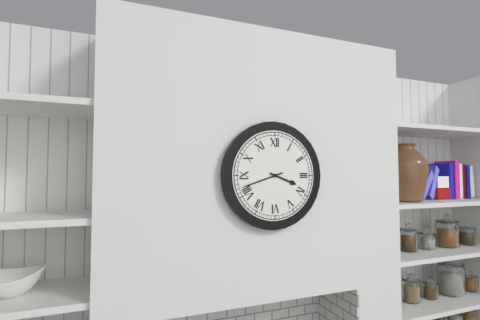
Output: 3h42
